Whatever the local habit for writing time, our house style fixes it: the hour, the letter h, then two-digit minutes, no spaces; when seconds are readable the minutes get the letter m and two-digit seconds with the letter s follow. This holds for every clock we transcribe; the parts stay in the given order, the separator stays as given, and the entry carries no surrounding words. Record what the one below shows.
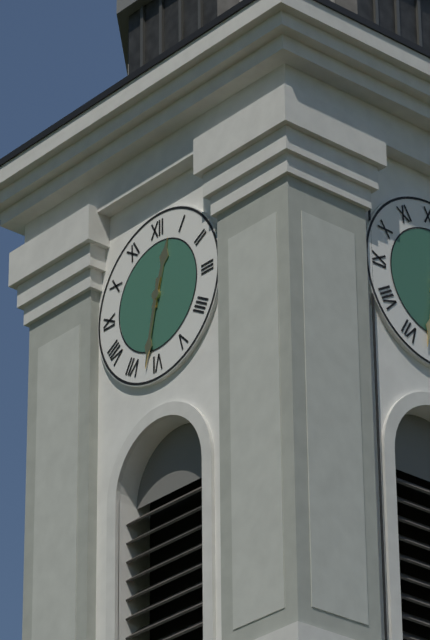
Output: 12h32
